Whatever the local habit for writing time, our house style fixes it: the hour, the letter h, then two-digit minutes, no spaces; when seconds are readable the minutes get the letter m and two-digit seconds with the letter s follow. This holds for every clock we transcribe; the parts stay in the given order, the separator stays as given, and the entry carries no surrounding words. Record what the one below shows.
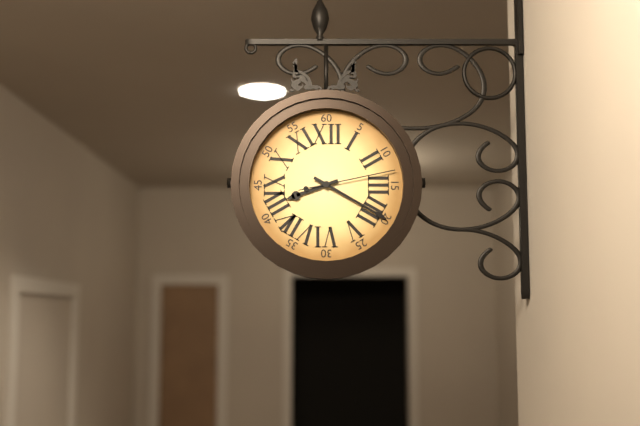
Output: 8h20m13s
